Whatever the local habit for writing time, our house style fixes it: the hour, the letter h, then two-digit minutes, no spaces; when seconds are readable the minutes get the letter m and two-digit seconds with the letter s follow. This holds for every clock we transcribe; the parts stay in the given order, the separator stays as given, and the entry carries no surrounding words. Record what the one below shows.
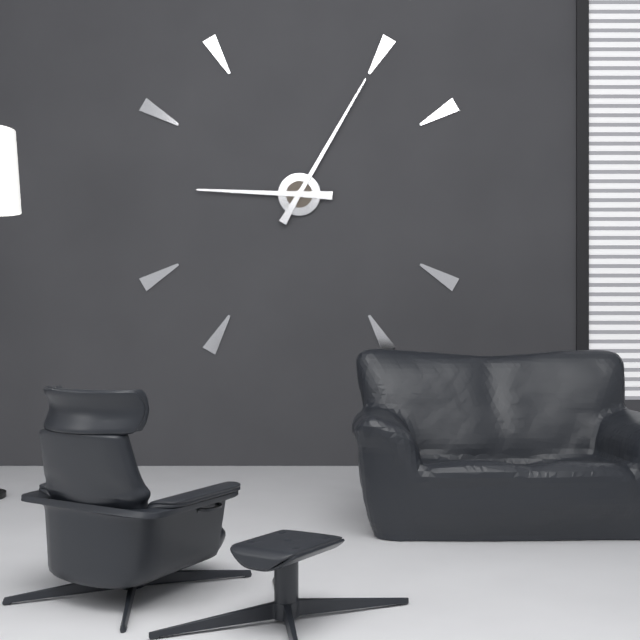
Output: 9h05
